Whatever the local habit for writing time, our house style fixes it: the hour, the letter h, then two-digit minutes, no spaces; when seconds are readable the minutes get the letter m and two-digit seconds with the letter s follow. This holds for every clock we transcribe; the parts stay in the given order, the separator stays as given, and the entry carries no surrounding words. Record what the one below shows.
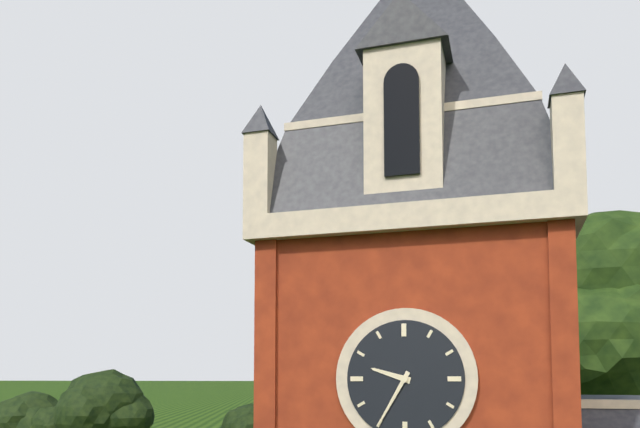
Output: 9h35
